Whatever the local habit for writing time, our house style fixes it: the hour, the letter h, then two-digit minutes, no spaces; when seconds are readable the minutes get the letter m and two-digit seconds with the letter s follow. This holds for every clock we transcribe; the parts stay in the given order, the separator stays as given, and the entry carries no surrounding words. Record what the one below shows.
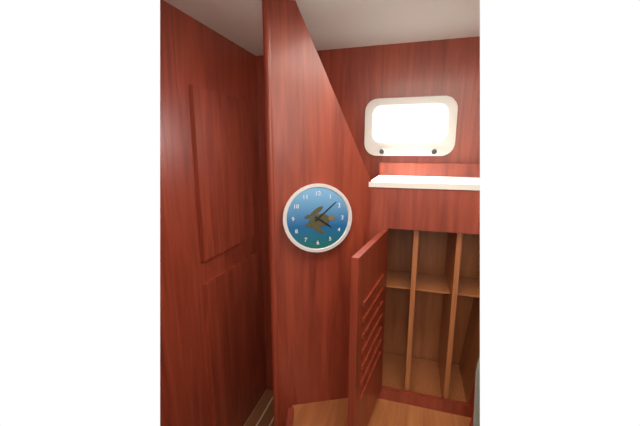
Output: 4h08
